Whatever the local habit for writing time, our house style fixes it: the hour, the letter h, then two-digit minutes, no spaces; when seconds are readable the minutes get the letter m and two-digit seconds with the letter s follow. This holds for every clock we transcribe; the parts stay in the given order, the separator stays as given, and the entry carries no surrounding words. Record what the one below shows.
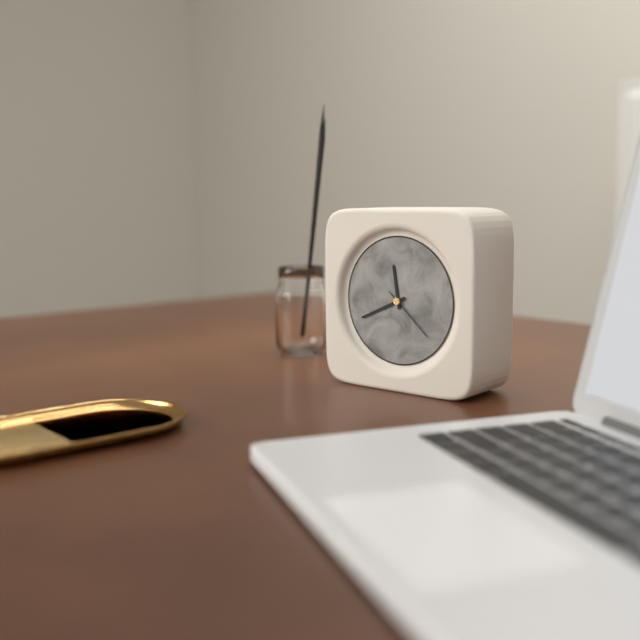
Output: 11h41m22s
